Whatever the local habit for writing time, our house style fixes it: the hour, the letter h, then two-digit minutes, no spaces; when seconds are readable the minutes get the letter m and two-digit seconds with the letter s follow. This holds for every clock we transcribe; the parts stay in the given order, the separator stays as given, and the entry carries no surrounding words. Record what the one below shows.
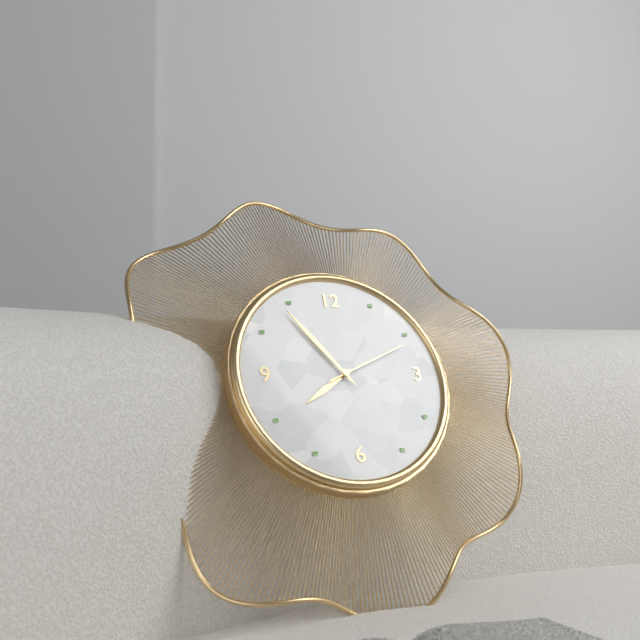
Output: 7h54m11s
